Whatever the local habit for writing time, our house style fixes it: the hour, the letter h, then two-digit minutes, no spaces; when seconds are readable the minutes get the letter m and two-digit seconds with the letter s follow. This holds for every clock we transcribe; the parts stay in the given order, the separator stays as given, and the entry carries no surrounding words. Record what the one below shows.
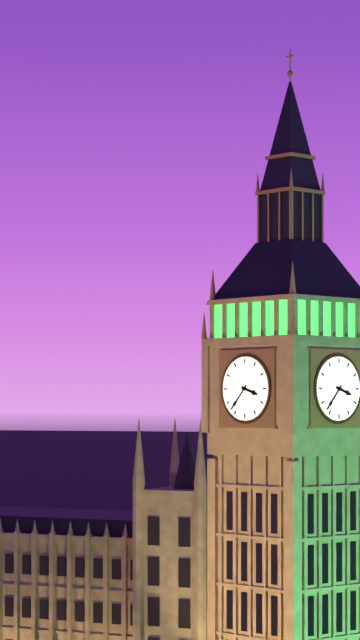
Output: 3h37
